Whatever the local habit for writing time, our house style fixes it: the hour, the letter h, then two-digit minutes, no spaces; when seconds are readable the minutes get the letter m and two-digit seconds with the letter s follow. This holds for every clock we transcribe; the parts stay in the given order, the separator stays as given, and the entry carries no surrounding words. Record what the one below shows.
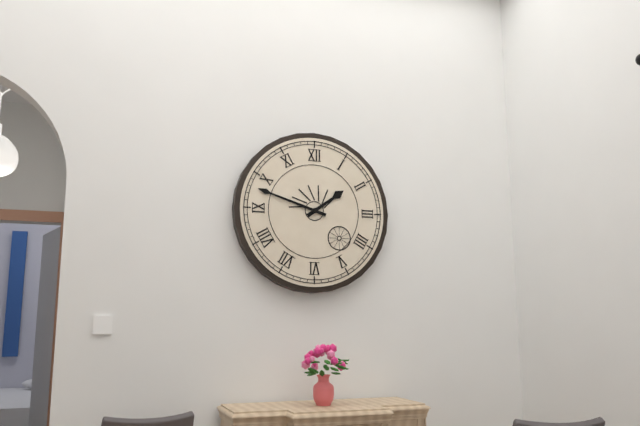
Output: 1h48
